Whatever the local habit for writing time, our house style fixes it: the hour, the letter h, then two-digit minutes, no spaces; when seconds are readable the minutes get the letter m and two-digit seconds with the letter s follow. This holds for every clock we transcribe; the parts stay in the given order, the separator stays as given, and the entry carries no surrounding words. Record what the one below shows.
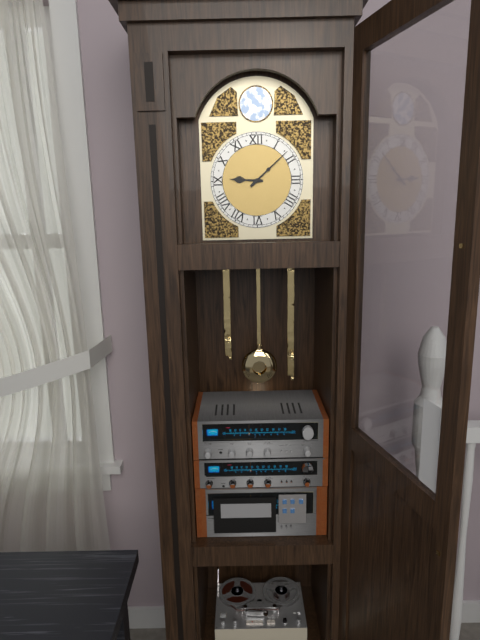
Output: 9h08
